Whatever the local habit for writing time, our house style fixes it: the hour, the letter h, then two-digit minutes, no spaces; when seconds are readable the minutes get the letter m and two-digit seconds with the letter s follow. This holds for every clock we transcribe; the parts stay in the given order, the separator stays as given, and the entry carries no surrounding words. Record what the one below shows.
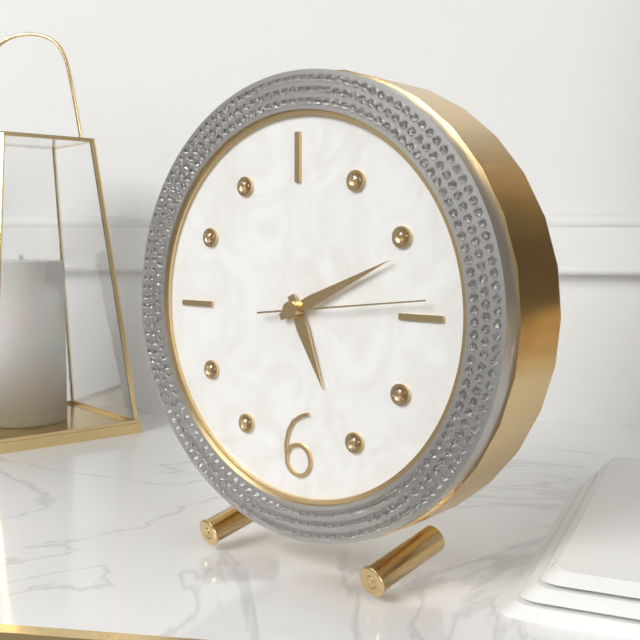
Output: 5h11m14s
